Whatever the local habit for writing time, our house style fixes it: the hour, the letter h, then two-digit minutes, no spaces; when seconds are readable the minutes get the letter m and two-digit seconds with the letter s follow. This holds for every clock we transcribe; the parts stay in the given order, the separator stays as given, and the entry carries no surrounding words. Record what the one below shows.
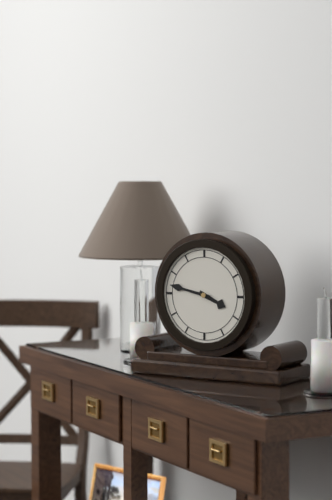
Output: 3h47
